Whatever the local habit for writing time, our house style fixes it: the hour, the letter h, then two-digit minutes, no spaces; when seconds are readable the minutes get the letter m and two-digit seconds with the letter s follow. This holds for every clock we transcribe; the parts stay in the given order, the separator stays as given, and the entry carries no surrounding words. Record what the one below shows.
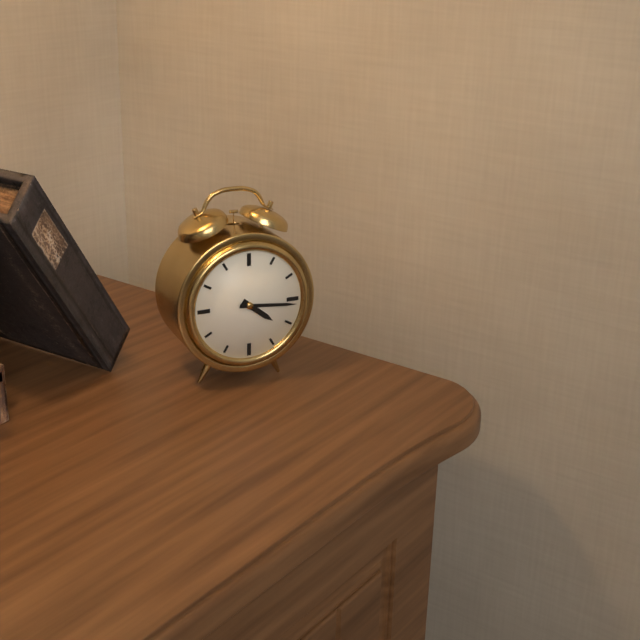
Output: 4h16
